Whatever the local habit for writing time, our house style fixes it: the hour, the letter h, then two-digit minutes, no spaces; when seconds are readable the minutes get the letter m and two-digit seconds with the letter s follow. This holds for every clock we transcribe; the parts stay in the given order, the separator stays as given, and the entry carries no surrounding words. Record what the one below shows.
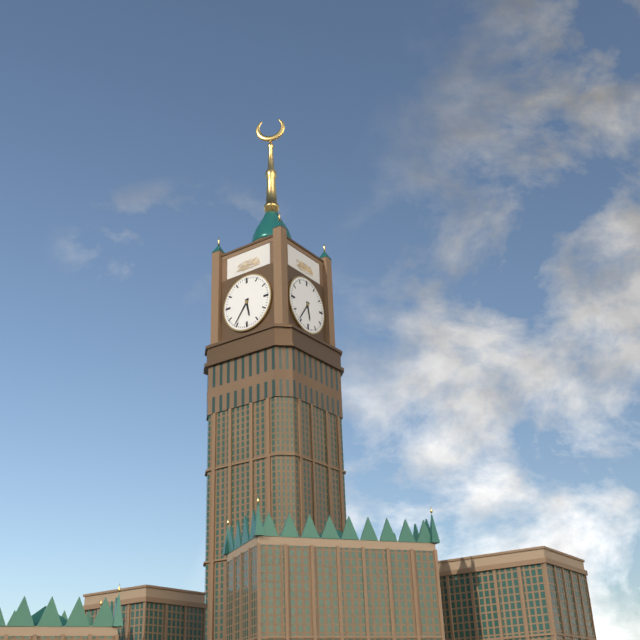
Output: 5h36
